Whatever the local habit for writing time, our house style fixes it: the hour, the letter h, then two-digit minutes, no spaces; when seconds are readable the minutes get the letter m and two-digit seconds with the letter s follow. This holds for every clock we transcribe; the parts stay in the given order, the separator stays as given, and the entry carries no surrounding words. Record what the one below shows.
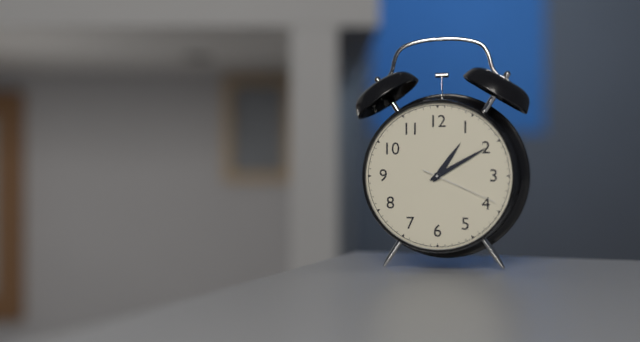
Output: 1h10m19s
